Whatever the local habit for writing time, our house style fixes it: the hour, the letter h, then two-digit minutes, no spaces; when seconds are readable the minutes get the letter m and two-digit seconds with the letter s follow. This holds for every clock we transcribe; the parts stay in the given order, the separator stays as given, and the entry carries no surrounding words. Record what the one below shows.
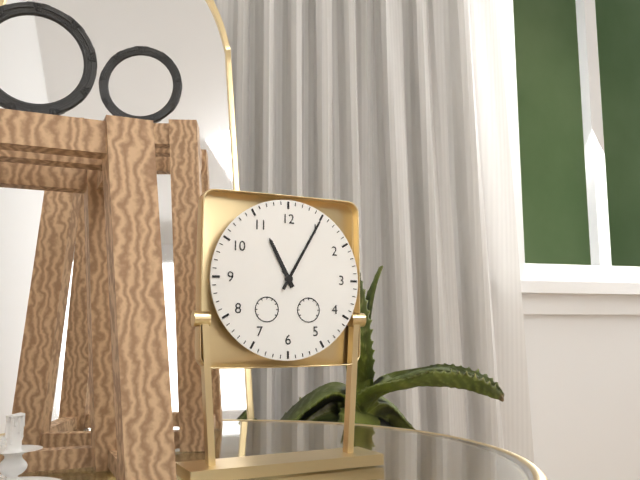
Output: 11h05
